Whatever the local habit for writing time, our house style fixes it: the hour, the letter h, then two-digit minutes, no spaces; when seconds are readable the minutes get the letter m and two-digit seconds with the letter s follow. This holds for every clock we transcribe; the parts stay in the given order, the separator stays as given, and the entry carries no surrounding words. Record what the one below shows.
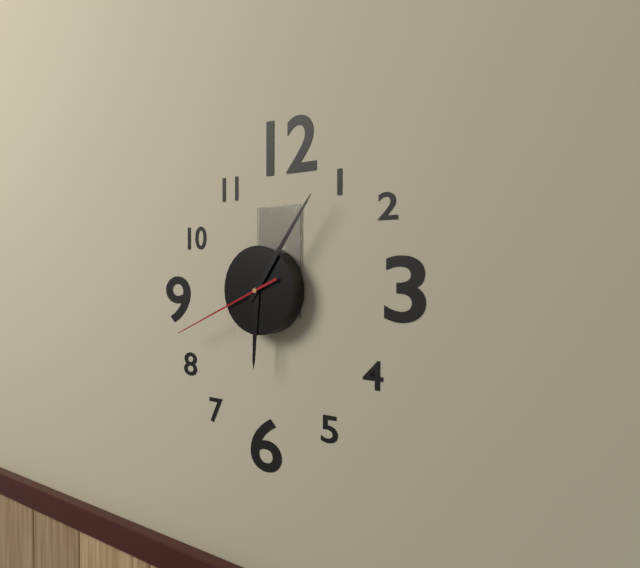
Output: 6h06m41s
